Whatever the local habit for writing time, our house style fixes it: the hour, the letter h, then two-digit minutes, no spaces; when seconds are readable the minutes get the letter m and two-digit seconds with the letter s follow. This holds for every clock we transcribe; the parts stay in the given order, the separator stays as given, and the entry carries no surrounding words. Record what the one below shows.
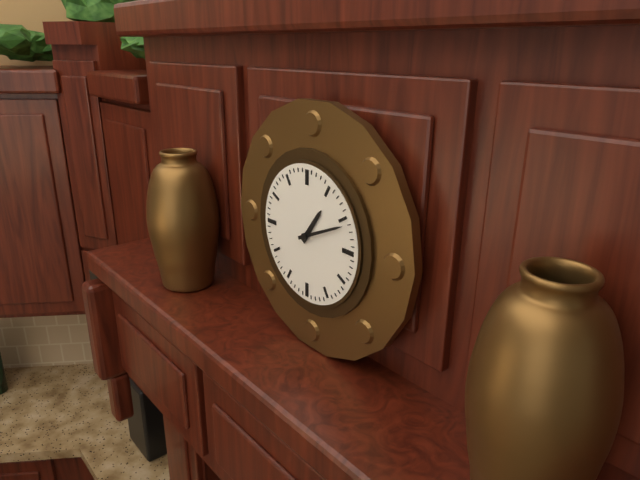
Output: 1h11
